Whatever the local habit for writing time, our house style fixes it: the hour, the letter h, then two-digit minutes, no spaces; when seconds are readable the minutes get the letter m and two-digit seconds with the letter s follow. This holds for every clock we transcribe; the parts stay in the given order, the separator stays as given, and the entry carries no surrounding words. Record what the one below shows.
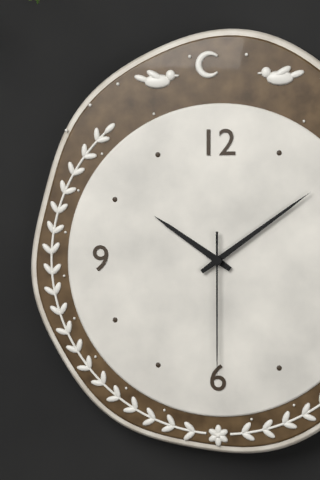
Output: 10h09m30s
